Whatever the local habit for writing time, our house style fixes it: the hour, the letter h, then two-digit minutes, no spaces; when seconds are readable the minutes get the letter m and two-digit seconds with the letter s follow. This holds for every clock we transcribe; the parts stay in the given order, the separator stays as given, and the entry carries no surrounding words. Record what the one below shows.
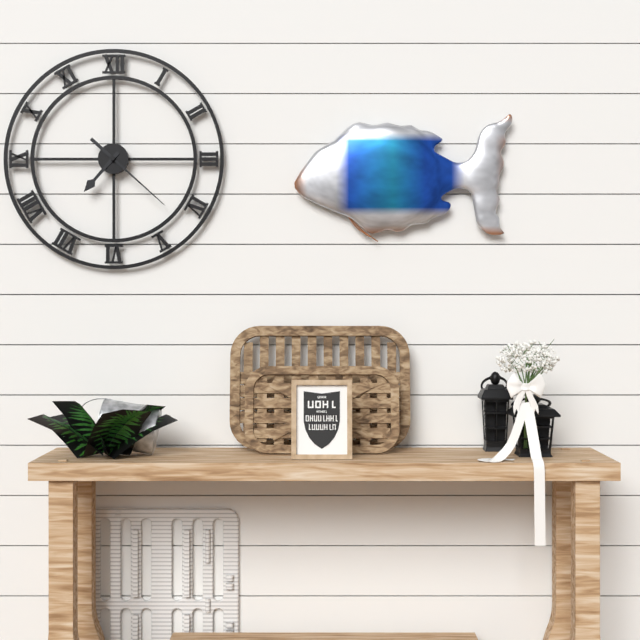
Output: 7h22
